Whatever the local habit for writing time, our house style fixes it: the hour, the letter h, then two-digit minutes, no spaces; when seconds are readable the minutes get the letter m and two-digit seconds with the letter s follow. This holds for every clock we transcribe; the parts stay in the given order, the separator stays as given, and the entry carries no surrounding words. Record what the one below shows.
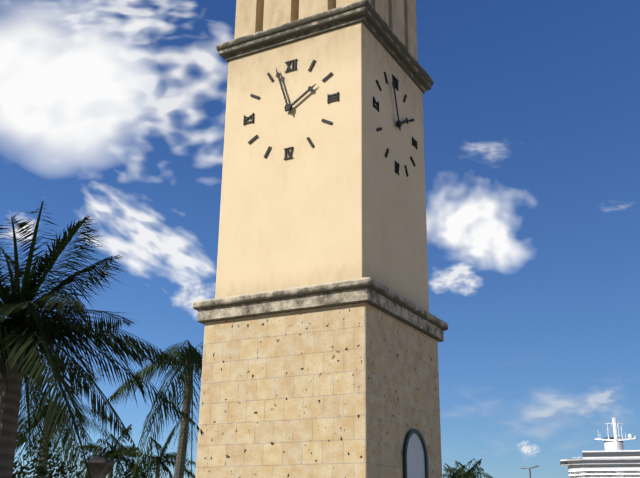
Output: 1h57
